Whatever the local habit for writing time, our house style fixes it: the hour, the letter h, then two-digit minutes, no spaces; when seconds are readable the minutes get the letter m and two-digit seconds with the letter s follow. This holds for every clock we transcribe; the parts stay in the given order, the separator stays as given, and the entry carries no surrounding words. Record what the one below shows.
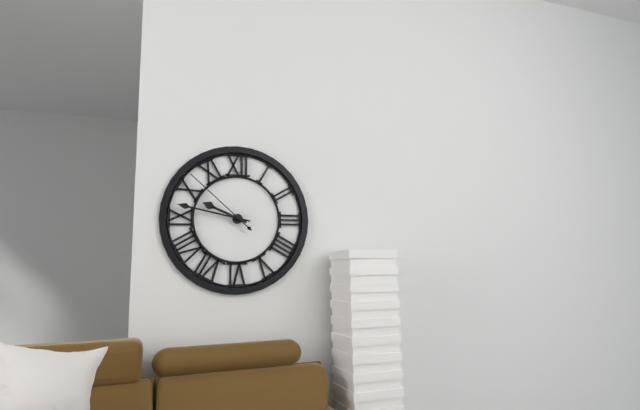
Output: 9h47m52s
